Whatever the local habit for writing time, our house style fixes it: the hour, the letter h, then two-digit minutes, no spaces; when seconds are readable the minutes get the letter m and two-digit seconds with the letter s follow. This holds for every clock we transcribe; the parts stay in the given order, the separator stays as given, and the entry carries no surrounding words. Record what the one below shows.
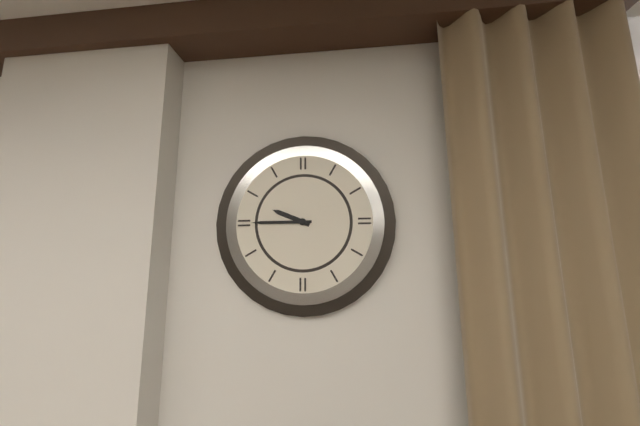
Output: 9h45
